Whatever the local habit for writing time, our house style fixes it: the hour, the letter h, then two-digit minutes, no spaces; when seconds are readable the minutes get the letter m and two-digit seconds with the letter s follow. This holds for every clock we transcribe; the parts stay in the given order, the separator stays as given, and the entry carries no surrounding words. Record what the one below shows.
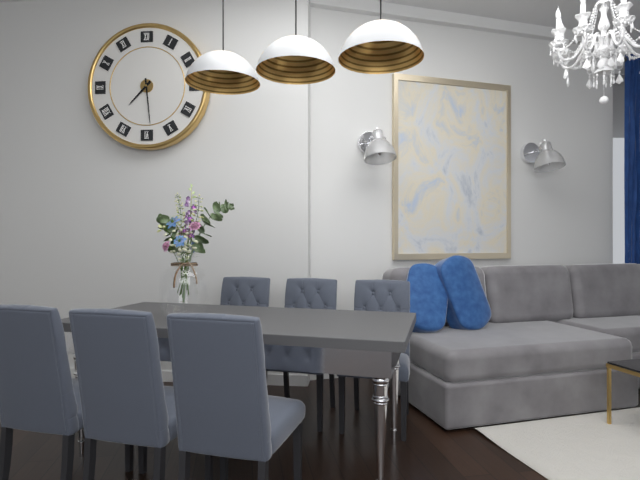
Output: 7h29
